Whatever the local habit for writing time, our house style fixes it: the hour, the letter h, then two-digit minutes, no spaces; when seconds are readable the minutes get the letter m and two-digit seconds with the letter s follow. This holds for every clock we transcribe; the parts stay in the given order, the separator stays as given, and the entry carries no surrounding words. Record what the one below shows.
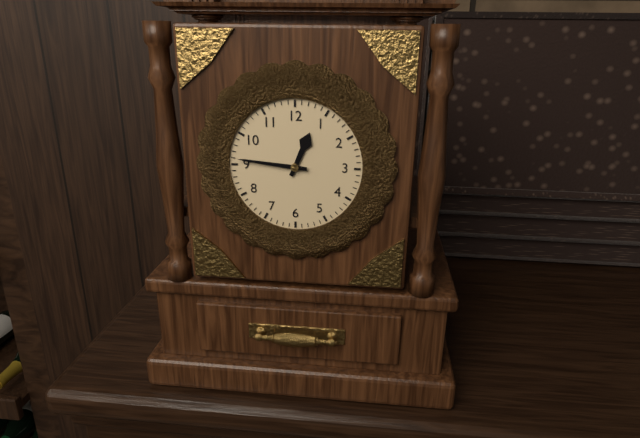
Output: 12h46
